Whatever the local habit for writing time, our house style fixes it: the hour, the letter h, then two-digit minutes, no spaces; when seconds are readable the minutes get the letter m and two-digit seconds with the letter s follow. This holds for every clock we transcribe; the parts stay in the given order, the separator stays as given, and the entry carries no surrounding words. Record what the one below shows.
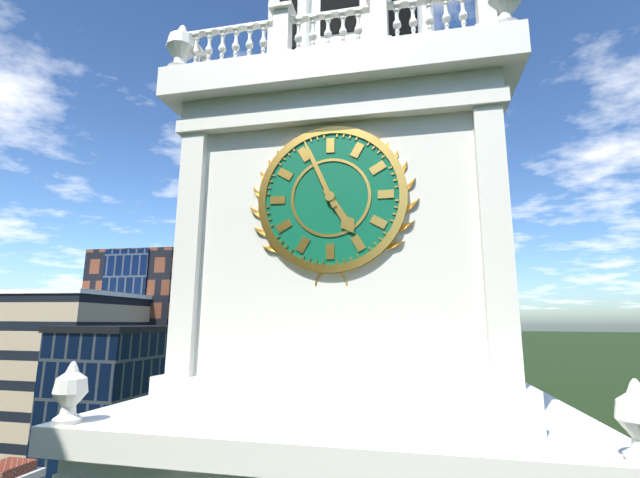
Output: 4h56
